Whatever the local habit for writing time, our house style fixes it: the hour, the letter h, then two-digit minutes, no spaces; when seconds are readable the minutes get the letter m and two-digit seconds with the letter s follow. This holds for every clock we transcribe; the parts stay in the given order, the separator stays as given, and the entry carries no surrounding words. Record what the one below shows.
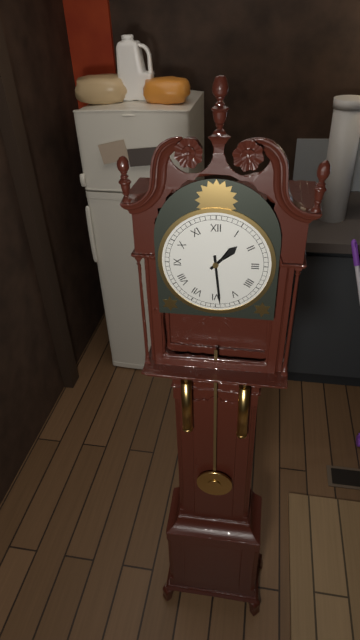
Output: 1h29
